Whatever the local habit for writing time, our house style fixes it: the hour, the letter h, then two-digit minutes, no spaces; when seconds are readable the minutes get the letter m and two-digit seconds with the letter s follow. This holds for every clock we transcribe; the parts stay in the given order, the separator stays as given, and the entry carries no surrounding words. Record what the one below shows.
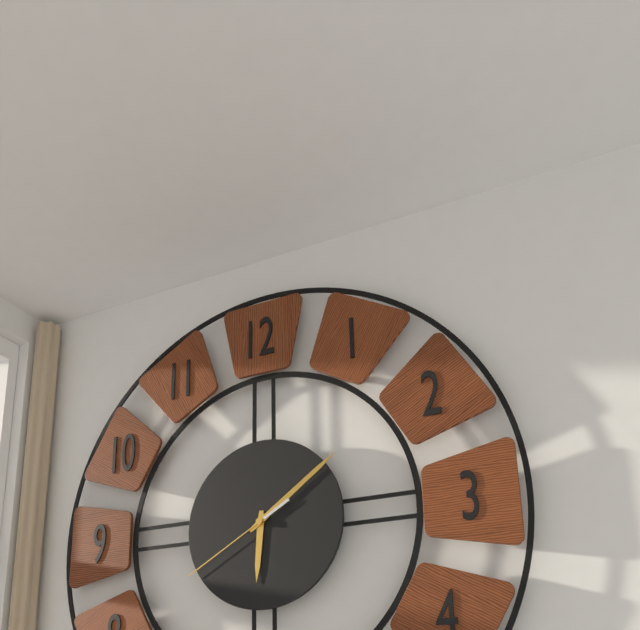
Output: 6h09m40s
